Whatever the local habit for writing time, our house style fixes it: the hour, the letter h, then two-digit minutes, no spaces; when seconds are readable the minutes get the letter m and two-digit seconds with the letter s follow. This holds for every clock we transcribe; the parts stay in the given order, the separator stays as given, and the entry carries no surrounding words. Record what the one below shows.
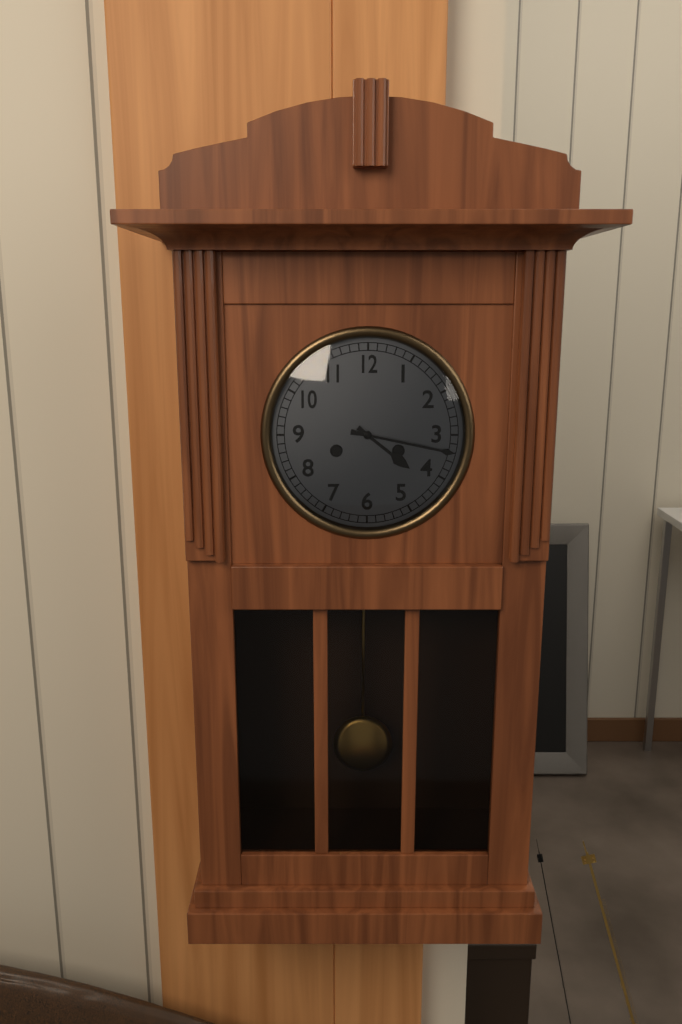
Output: 4h17
